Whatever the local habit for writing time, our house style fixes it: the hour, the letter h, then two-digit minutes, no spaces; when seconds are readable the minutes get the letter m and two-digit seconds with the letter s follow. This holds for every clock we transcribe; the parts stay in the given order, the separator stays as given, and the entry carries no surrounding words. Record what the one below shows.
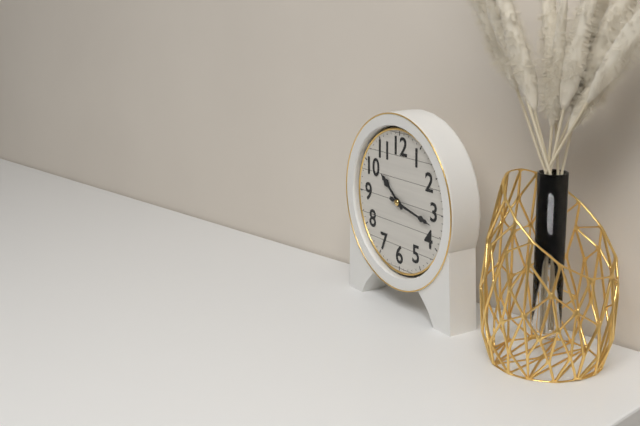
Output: 10h17
